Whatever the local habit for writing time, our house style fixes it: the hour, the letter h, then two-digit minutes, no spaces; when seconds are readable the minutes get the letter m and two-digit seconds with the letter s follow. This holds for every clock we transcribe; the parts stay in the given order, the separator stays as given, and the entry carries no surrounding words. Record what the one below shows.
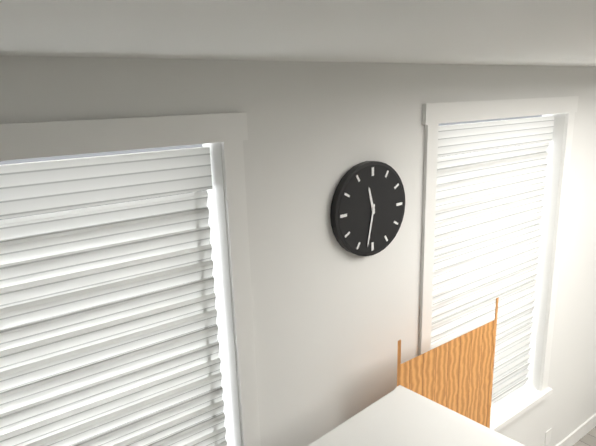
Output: 11h32
